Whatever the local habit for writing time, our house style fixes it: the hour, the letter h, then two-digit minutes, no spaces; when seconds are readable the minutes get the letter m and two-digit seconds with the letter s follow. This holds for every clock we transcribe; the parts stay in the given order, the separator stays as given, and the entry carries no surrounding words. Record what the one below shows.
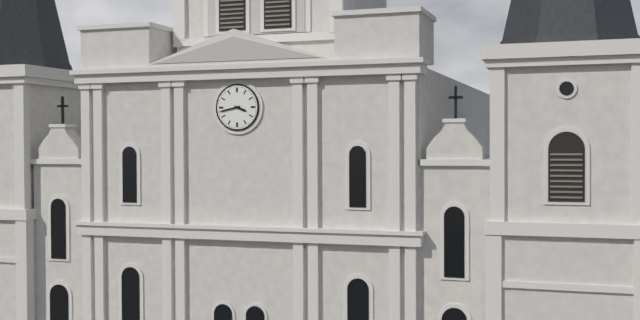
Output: 3h43
